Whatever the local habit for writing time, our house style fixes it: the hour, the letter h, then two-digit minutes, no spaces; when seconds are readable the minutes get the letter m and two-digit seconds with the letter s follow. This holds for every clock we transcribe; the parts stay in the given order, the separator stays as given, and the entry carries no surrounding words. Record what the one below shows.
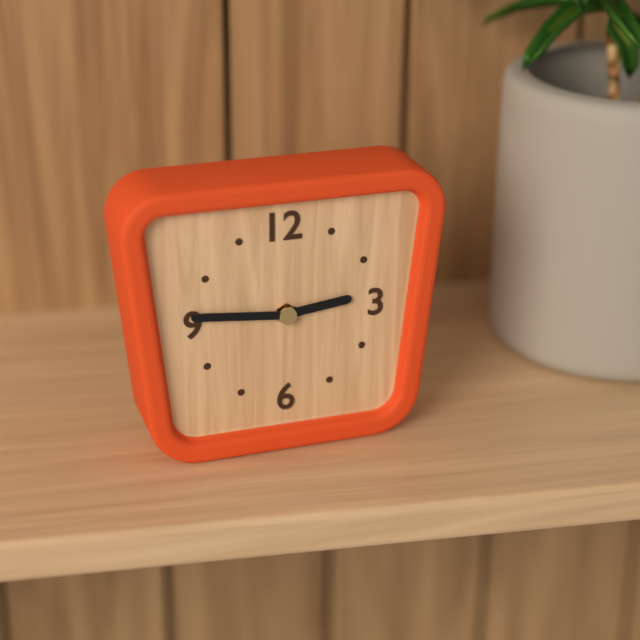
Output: 2h46
